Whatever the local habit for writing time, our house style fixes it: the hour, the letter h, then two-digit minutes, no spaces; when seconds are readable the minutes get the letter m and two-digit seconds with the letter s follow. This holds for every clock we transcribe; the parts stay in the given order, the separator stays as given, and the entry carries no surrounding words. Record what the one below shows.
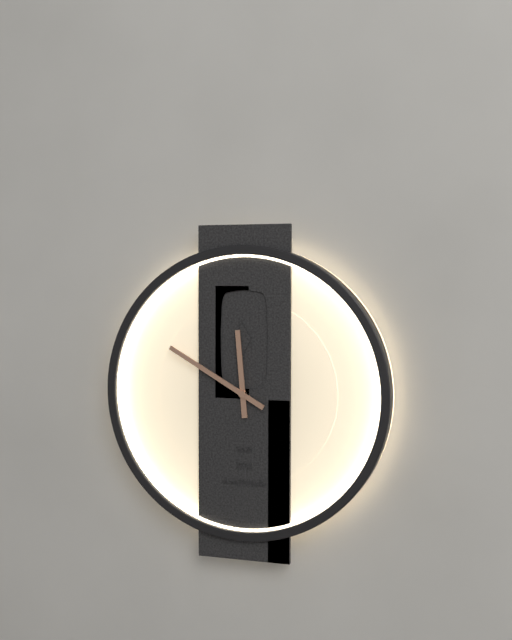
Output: 11h50
